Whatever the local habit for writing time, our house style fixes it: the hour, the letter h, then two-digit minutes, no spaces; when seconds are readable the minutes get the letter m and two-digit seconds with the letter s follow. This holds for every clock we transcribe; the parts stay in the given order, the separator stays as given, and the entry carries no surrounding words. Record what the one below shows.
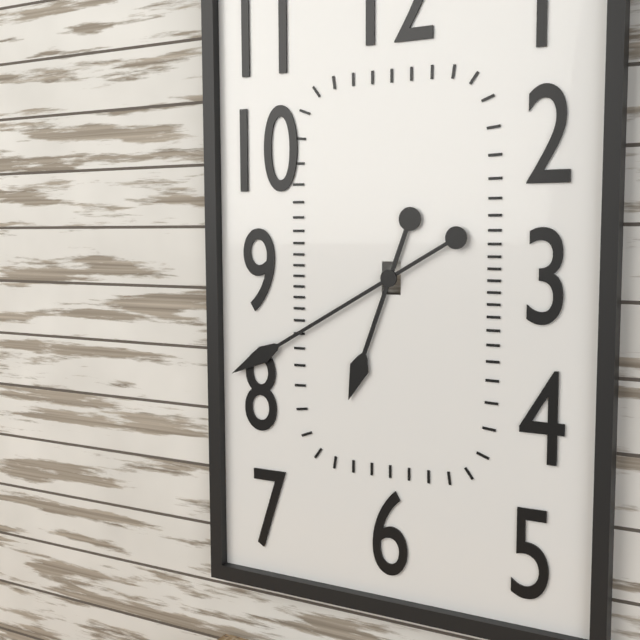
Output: 6h40
